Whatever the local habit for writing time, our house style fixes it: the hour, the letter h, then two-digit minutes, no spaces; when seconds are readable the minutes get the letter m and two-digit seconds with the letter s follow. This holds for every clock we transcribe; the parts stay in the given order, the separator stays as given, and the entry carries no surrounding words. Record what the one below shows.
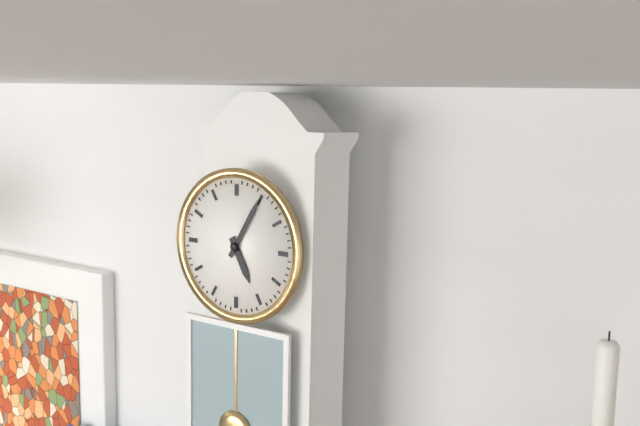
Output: 5h05
